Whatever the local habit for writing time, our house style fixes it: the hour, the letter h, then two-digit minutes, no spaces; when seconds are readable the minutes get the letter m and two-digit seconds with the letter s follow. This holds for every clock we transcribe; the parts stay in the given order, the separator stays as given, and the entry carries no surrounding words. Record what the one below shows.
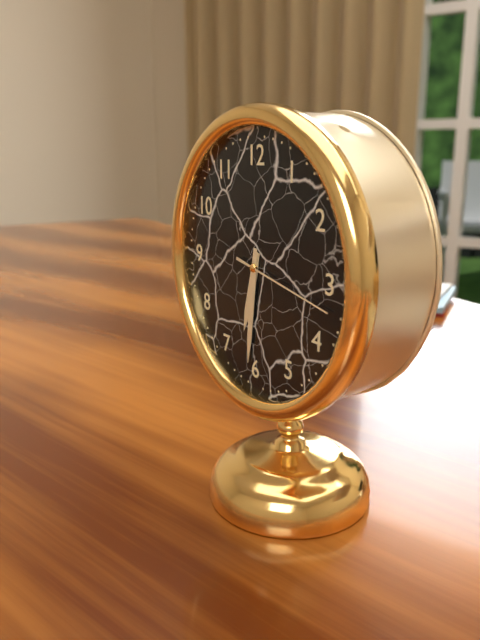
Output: 6h31m17s
